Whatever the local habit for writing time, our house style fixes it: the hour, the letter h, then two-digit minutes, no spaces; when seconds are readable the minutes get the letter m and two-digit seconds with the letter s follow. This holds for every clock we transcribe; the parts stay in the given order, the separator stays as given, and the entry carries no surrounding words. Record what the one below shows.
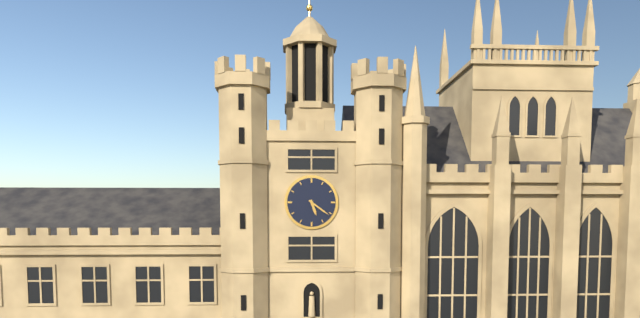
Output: 5h21
